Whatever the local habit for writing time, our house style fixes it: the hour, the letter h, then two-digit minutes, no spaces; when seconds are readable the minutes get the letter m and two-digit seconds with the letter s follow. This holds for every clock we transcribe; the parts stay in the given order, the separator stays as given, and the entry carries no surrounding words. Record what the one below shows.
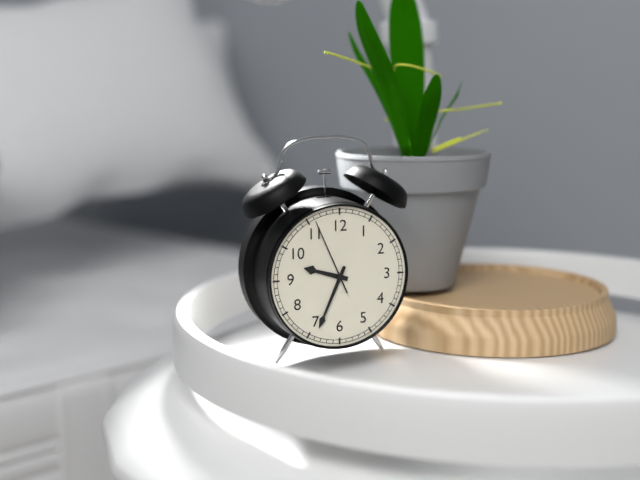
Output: 9h34m56s
